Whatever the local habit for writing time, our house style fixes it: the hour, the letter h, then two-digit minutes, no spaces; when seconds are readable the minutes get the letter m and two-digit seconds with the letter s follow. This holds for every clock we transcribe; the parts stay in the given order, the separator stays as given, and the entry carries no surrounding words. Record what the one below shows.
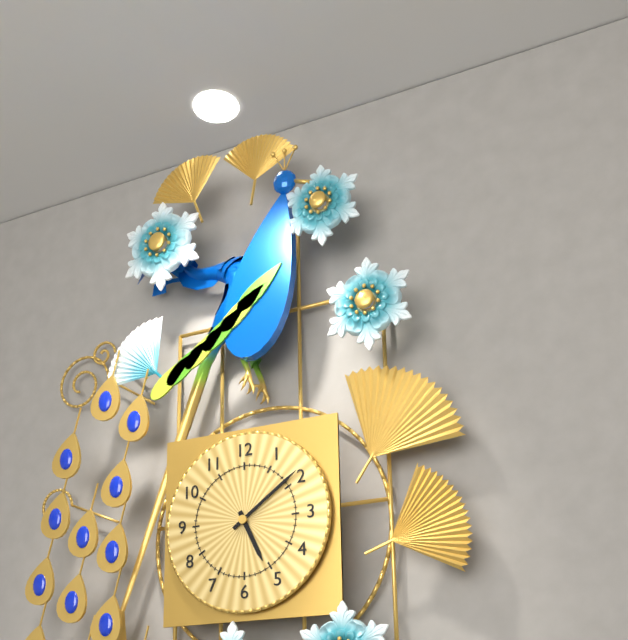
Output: 5h09
